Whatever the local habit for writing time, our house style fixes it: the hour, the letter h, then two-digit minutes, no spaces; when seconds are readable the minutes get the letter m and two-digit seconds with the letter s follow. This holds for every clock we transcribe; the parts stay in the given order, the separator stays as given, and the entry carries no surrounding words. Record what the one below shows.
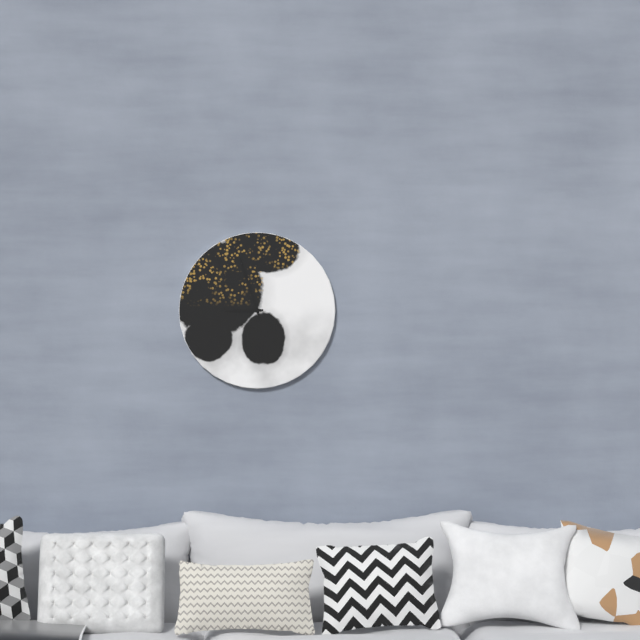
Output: 8h57
